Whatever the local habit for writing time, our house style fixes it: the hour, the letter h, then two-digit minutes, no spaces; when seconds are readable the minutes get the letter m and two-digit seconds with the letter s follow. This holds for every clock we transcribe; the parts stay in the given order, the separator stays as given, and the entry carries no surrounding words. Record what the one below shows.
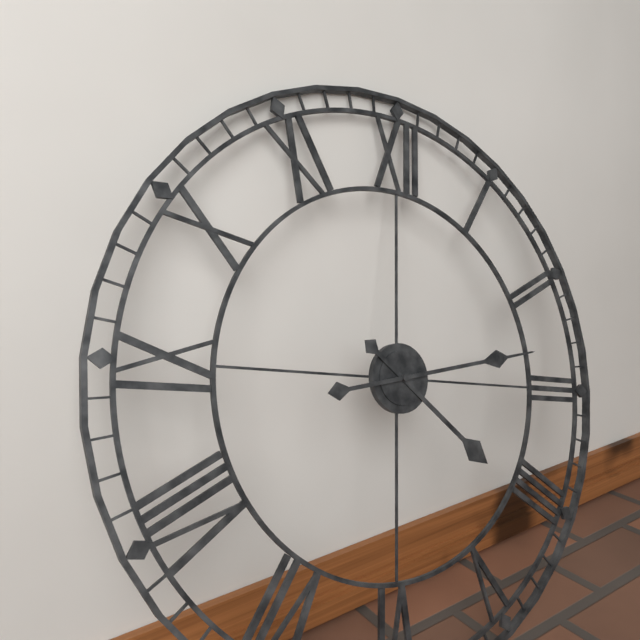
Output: 4h13
